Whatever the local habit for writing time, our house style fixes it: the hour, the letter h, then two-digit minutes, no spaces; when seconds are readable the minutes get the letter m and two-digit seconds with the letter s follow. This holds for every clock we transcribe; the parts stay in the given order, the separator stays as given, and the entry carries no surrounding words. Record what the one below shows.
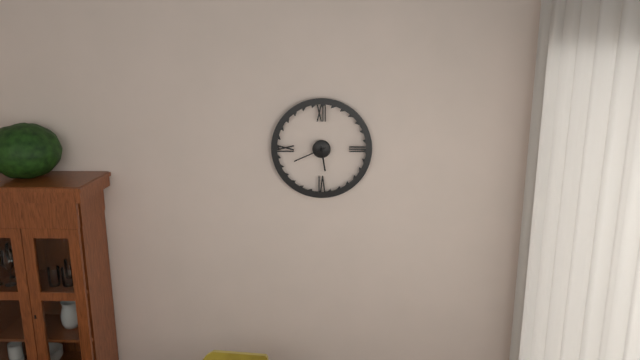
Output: 5h41
